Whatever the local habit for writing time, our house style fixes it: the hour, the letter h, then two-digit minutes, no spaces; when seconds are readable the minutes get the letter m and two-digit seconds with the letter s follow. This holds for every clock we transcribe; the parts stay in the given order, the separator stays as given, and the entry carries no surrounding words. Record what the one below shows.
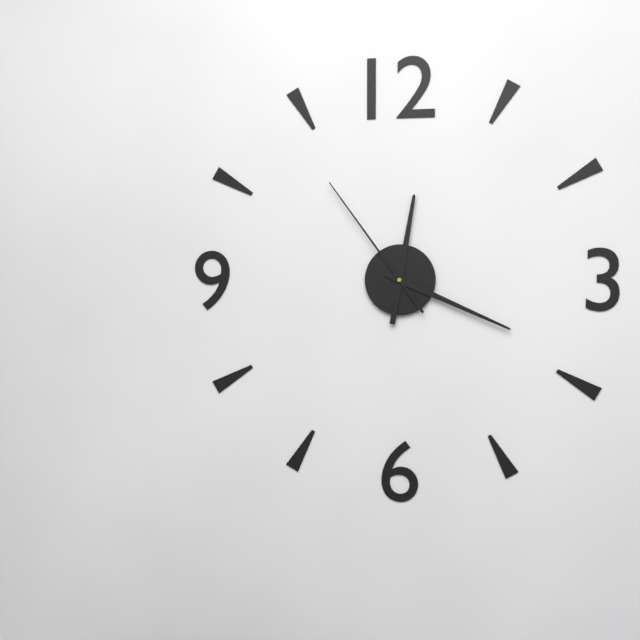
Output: 12h19m54s
